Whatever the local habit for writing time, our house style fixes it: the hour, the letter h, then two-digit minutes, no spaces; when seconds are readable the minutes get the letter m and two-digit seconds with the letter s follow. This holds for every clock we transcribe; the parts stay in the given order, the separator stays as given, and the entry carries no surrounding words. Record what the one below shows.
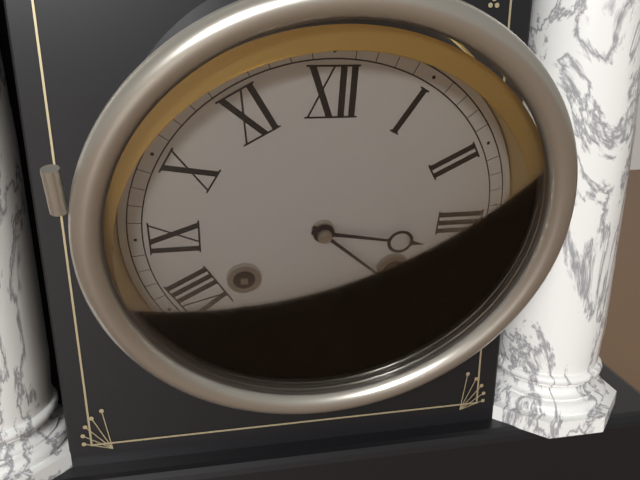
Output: 3h22
